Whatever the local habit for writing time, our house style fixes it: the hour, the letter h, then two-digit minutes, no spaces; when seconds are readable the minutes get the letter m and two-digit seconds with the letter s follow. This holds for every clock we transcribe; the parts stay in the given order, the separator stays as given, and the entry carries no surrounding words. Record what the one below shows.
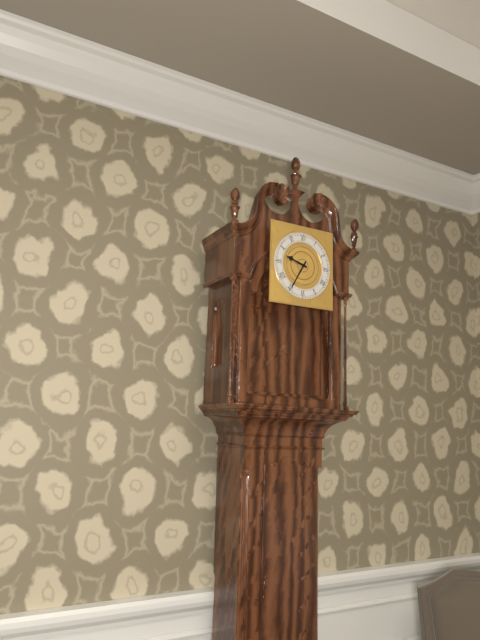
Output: 9h35
